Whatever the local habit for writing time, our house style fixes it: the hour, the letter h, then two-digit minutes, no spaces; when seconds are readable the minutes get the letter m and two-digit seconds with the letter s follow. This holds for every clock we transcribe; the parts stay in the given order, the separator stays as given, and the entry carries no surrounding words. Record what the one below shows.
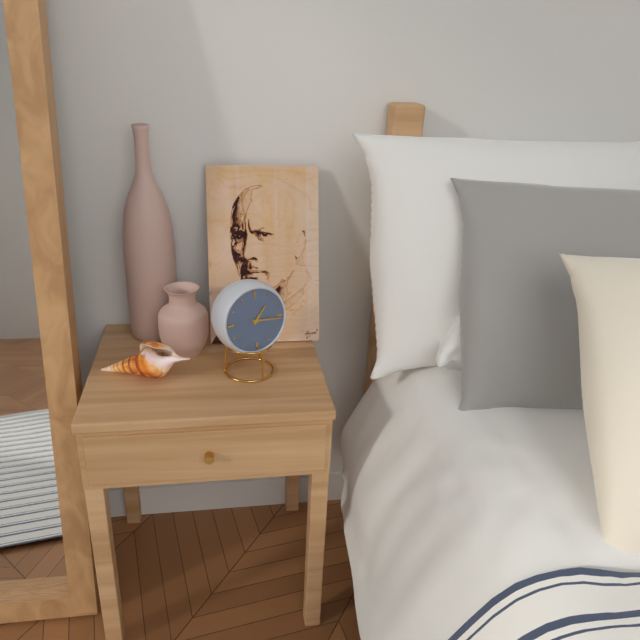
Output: 1h16
